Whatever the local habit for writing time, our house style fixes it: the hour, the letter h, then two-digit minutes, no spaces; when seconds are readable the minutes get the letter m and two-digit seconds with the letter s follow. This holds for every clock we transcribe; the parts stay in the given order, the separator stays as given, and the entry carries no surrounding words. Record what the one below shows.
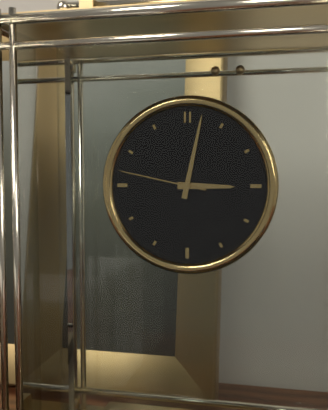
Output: 3h02m47s
